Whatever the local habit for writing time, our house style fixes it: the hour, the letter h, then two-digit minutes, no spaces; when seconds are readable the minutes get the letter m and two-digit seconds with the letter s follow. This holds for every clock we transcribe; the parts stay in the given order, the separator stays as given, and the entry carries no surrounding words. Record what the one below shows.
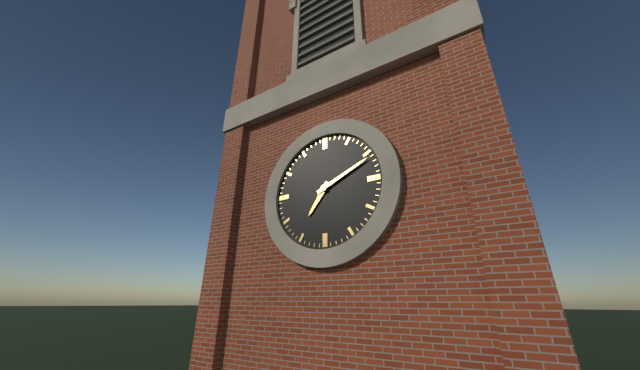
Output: 7h11
